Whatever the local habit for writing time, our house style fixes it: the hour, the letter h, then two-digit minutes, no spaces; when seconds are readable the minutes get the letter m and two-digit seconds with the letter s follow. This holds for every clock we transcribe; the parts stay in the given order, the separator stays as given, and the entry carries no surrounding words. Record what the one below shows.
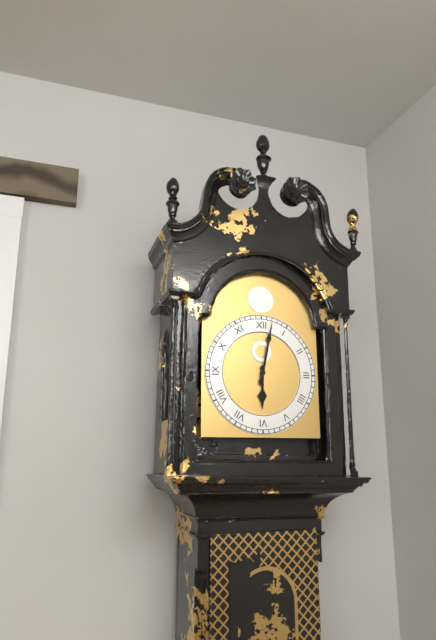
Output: 6h02
